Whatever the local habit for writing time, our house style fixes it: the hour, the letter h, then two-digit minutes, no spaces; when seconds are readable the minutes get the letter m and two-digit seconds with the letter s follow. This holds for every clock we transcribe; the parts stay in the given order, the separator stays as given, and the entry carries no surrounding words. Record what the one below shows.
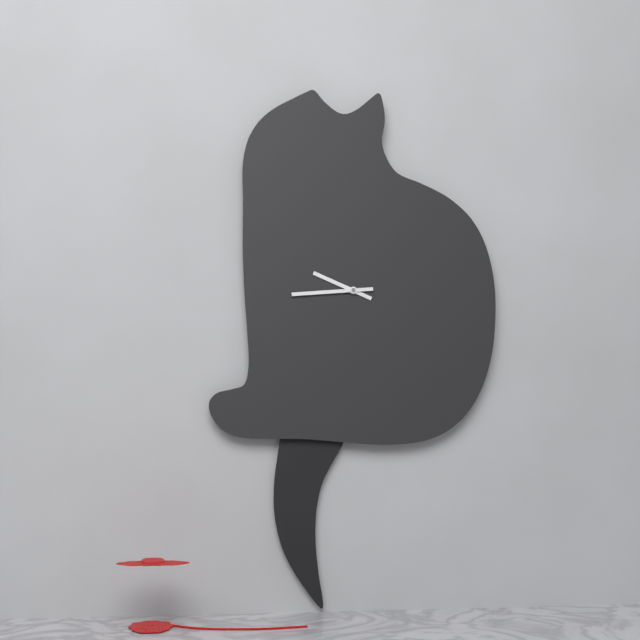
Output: 9h44
